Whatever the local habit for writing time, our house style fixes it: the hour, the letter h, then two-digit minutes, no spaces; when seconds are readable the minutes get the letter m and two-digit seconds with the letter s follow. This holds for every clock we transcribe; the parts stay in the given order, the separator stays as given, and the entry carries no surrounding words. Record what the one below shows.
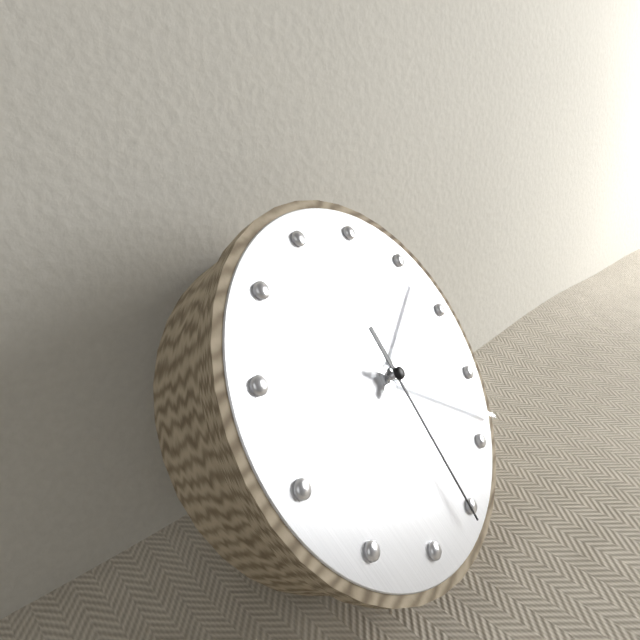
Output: 2h23m31s
